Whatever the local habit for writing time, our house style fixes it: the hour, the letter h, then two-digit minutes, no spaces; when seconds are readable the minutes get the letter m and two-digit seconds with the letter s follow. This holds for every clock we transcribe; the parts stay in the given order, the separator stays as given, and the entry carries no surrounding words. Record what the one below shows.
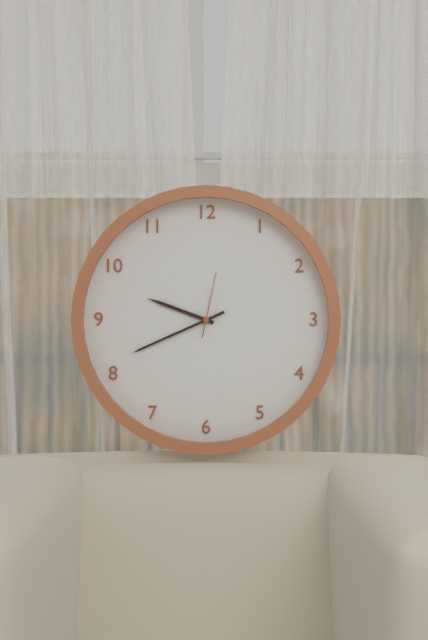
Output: 9h41m02s
